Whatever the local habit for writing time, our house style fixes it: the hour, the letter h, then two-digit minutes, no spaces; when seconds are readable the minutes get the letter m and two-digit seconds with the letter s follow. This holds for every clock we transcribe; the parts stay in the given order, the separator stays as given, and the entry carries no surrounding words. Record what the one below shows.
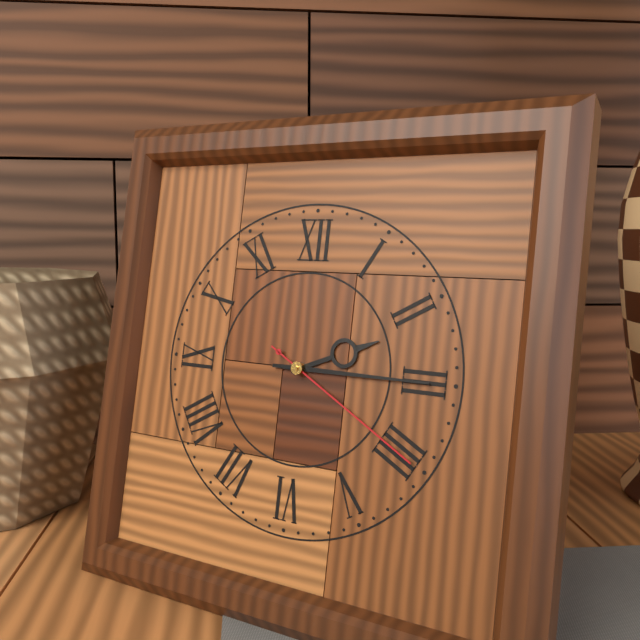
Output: 2h15m20s
